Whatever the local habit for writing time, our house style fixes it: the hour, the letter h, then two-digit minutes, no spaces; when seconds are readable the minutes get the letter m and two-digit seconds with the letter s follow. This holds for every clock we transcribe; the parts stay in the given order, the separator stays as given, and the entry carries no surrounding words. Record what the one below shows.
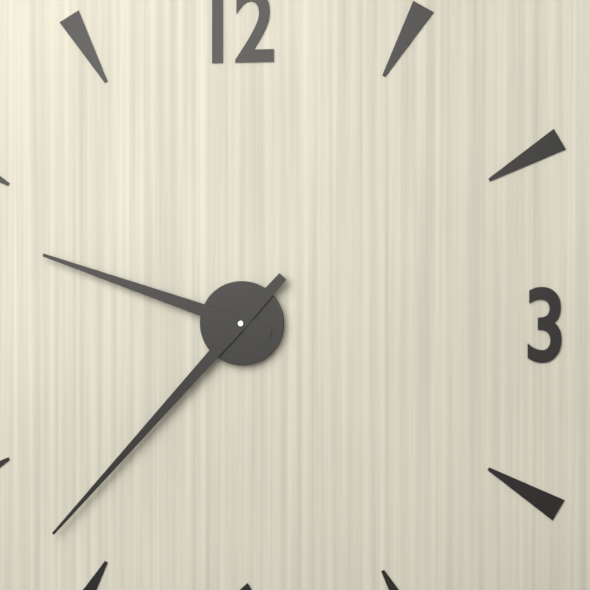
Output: 9h37
